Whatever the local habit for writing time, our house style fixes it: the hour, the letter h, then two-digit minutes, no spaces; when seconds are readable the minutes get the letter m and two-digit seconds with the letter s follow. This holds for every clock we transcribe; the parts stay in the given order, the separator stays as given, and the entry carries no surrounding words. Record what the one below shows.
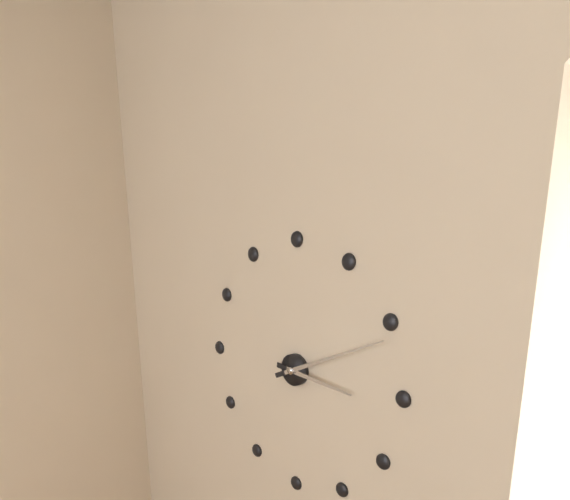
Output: 3h11
